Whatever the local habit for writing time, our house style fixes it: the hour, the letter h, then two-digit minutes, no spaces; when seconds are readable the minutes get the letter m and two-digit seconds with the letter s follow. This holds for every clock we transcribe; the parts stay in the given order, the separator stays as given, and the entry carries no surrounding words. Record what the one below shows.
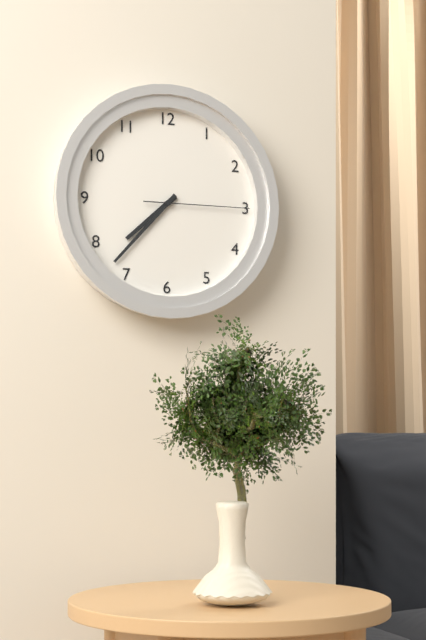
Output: 7h37m15s
